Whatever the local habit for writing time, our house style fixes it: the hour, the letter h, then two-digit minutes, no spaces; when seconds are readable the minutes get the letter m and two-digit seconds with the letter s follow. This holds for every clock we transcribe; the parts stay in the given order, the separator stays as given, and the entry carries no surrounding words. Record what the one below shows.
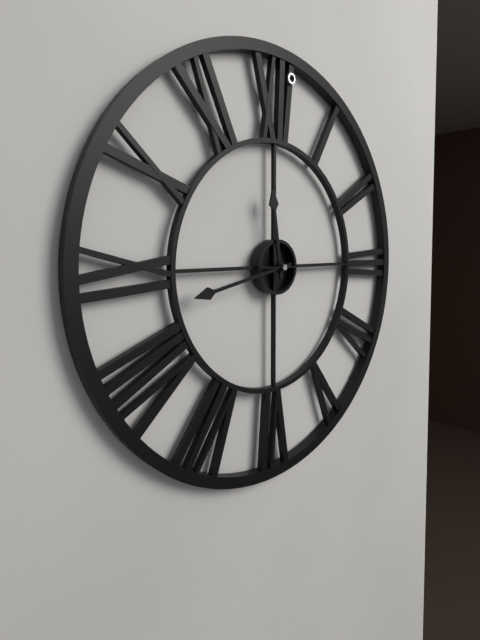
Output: 11h43m15s
